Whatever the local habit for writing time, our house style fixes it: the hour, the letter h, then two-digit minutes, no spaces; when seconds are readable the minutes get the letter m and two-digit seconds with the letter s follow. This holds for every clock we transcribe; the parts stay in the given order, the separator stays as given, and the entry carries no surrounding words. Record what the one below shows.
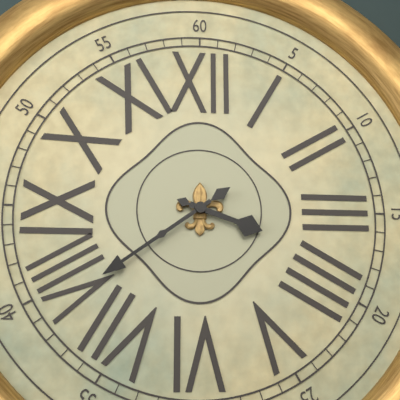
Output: 3h39
